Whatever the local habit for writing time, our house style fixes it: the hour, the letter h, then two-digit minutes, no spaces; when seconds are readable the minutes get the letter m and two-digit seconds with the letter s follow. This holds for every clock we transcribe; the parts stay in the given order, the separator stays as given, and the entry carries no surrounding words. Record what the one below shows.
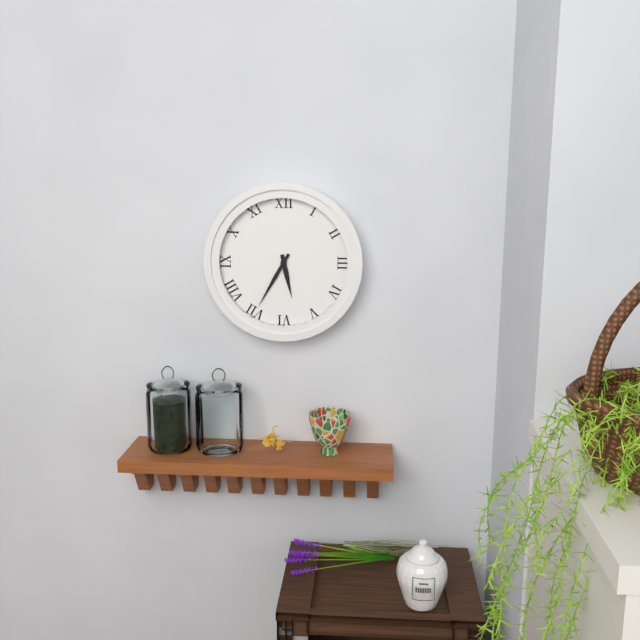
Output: 5h35
